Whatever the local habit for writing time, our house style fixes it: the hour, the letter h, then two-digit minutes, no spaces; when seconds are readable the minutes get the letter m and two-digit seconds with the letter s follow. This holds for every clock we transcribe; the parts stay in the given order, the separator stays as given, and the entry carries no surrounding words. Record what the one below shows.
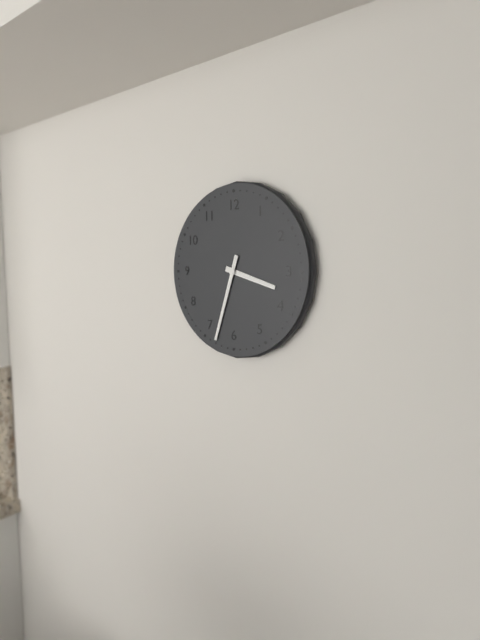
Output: 3h33
